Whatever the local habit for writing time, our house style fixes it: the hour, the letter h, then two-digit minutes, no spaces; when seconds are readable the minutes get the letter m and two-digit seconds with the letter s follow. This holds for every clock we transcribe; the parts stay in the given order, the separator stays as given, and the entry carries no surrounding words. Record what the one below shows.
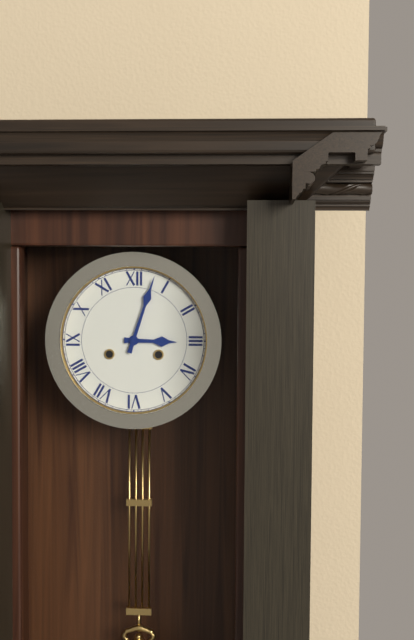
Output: 3h03
